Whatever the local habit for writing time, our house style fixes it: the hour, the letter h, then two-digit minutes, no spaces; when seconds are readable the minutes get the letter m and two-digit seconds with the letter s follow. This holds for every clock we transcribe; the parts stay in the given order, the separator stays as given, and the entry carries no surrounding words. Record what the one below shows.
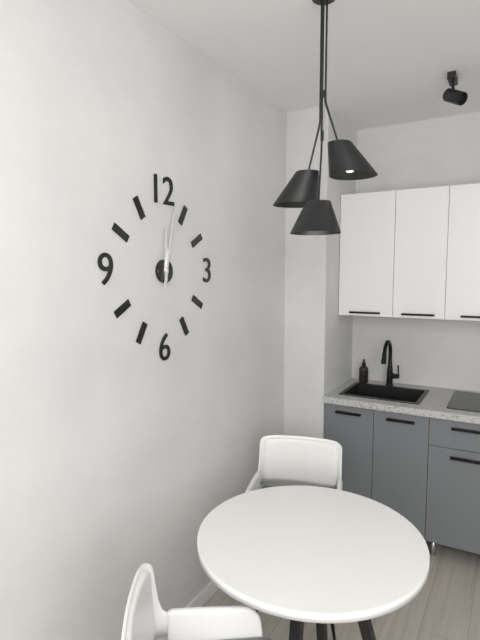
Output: 12h02
